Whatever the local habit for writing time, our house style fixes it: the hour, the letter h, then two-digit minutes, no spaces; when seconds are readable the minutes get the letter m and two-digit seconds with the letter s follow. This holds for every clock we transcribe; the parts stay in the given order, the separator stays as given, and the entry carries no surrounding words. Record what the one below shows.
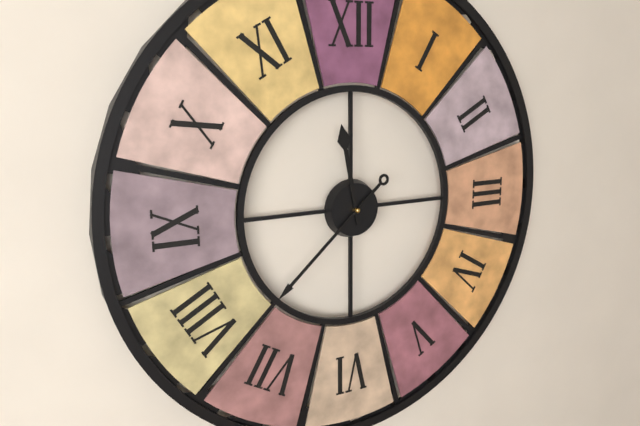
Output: 11h38
